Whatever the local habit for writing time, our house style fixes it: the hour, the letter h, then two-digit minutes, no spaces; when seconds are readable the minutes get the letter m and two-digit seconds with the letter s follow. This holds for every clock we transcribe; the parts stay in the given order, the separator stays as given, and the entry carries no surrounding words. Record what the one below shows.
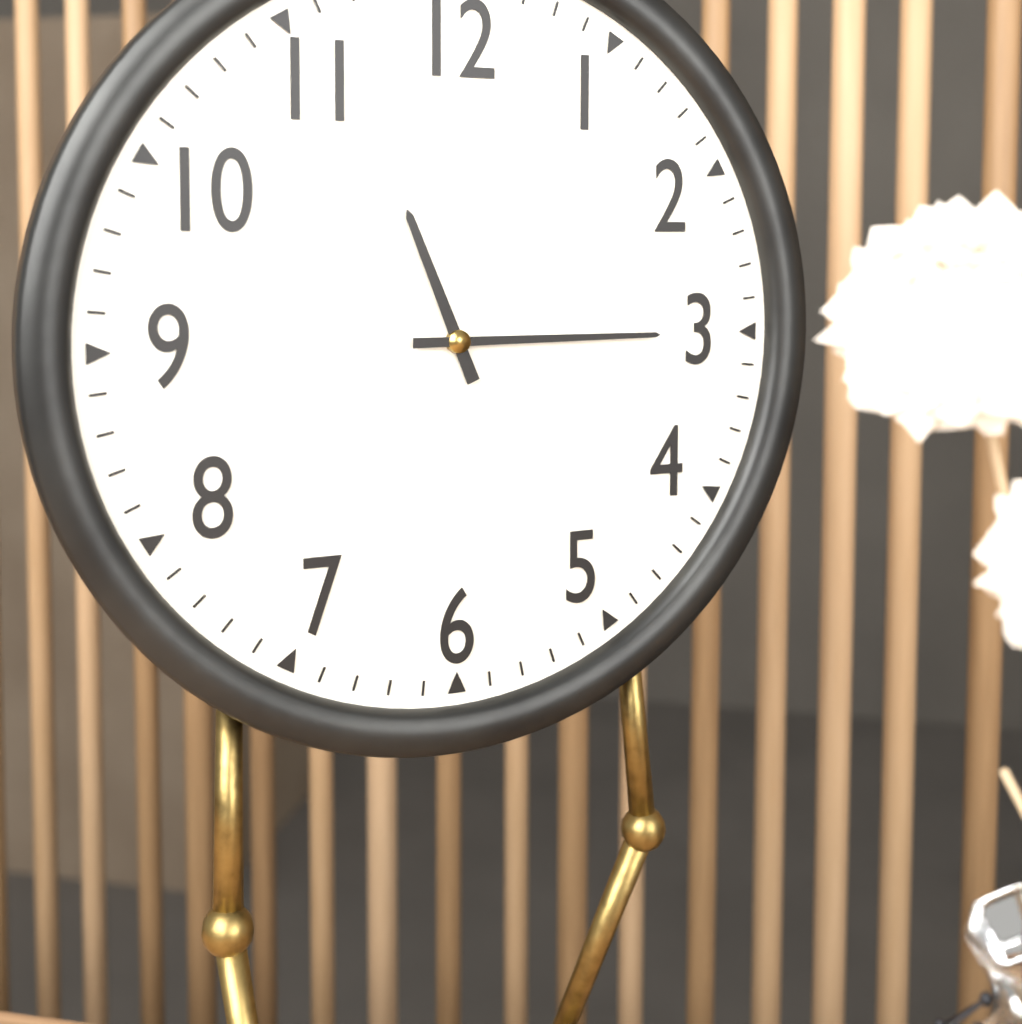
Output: 11h15
